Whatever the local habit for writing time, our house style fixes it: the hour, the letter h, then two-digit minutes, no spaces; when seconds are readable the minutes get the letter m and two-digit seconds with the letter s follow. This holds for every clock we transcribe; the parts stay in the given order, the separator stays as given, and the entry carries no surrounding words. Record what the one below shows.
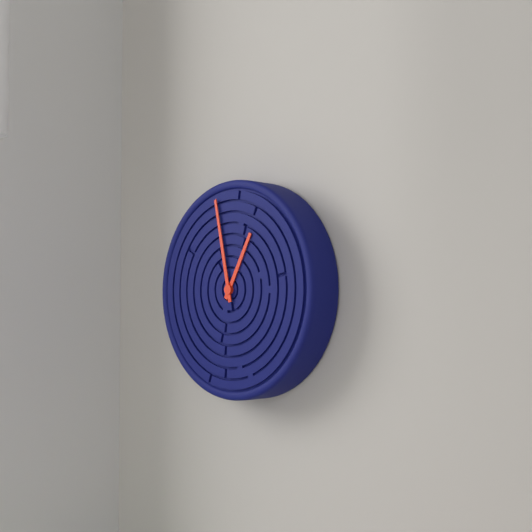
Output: 12h58
